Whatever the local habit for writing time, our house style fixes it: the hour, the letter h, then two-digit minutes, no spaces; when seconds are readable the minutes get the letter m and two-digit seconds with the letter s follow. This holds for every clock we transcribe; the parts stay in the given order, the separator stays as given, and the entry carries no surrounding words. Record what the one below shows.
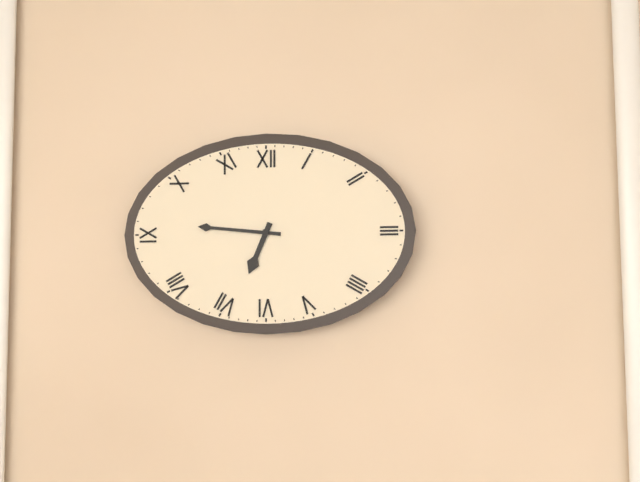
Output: 6h46
